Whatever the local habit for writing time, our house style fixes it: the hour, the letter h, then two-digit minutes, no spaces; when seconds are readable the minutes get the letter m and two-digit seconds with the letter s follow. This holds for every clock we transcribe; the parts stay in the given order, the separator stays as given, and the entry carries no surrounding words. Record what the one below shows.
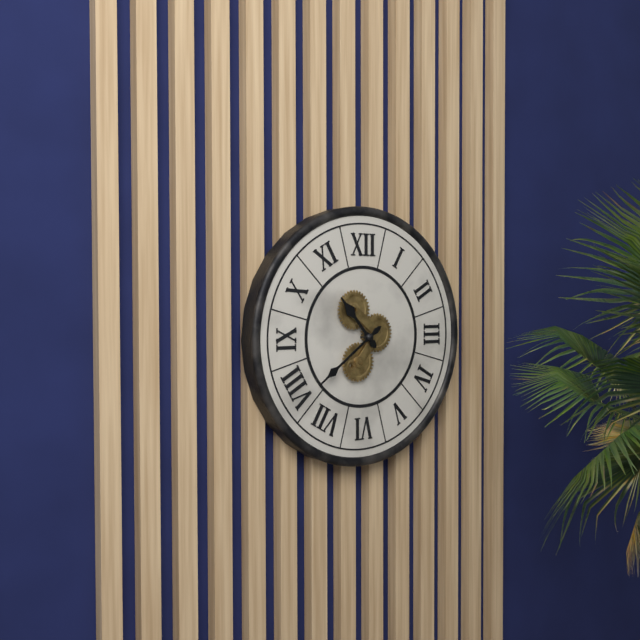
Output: 10h39
